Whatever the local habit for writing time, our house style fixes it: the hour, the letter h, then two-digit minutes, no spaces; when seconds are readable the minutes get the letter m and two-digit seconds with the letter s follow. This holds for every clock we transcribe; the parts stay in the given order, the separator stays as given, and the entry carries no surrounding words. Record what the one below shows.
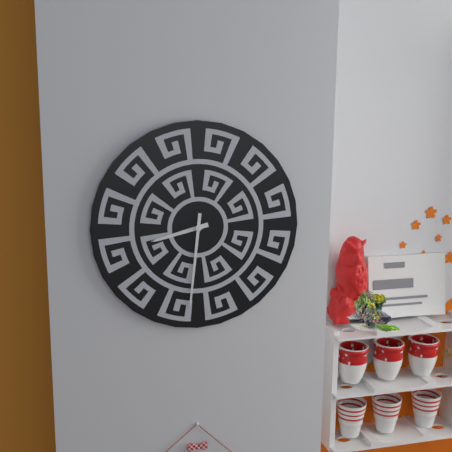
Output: 8h31
